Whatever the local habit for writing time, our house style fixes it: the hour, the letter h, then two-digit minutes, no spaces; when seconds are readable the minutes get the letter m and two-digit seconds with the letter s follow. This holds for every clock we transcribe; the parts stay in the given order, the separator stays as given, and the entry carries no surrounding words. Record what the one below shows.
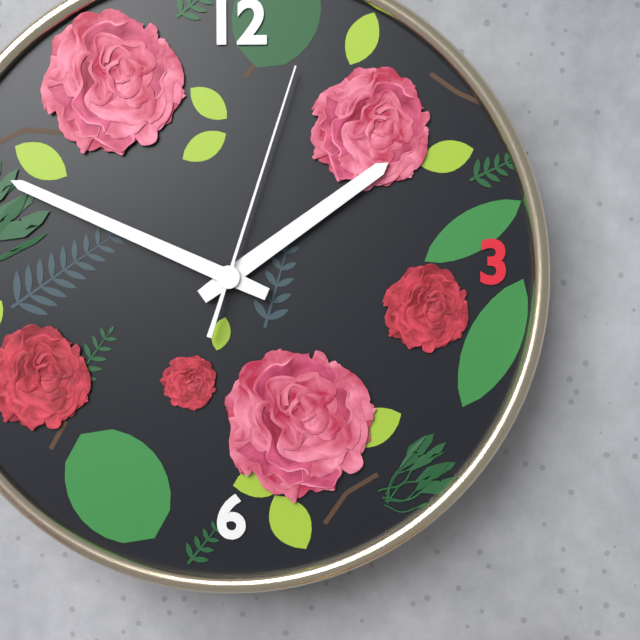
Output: 1h49m03s
